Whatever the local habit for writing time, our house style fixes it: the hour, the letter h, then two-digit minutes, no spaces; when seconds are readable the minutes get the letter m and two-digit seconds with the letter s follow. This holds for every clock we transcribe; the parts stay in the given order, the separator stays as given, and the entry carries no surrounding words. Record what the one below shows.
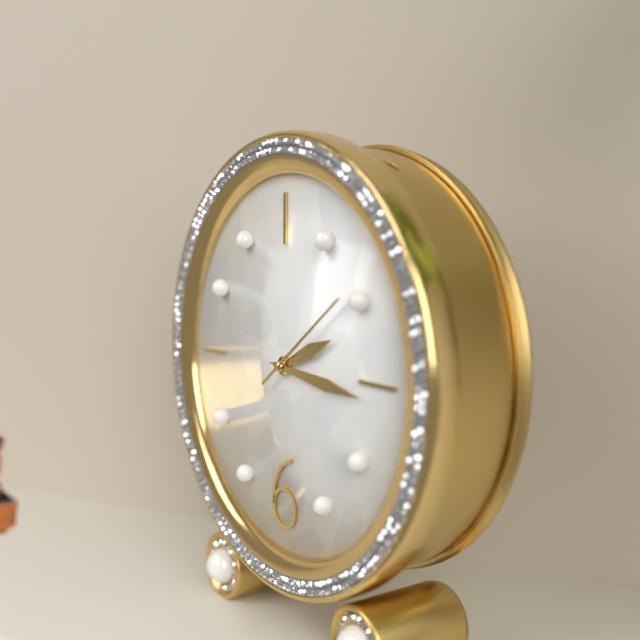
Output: 2h16m09s
